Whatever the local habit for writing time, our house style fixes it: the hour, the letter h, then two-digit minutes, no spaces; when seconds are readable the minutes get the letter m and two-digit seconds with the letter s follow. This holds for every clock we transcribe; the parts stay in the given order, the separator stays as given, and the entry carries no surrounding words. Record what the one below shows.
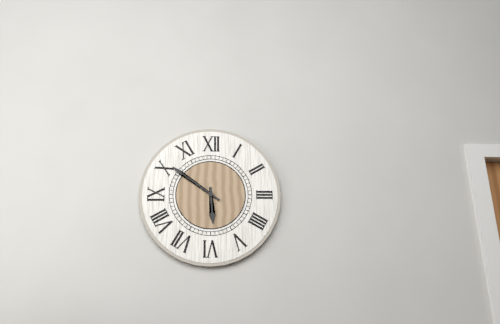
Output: 5h51
